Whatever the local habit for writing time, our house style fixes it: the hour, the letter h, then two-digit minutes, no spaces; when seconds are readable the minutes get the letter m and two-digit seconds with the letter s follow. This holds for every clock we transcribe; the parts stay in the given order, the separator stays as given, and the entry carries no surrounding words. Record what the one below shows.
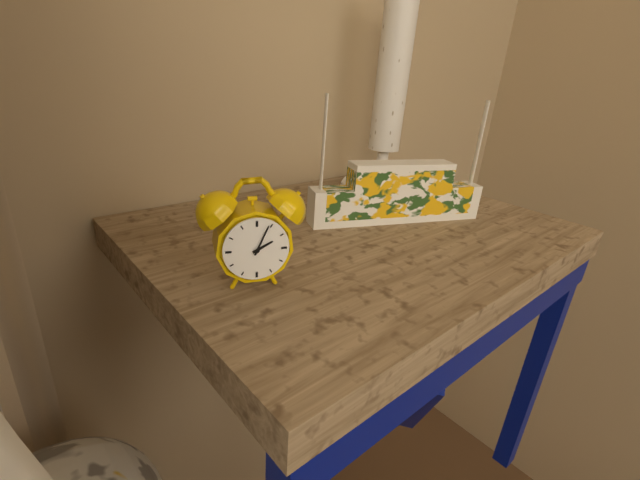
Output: 2h04
